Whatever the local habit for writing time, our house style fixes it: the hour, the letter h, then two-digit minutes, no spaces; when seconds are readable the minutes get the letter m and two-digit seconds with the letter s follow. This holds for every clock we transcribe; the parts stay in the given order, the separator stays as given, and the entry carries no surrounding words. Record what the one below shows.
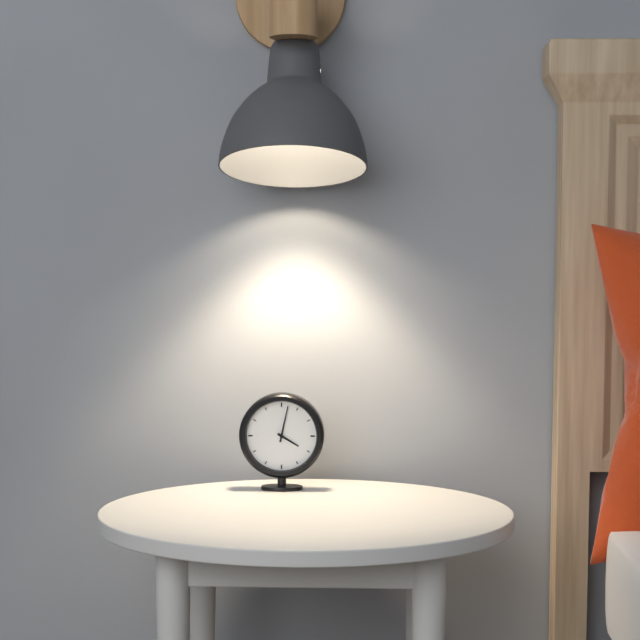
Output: 4h02
